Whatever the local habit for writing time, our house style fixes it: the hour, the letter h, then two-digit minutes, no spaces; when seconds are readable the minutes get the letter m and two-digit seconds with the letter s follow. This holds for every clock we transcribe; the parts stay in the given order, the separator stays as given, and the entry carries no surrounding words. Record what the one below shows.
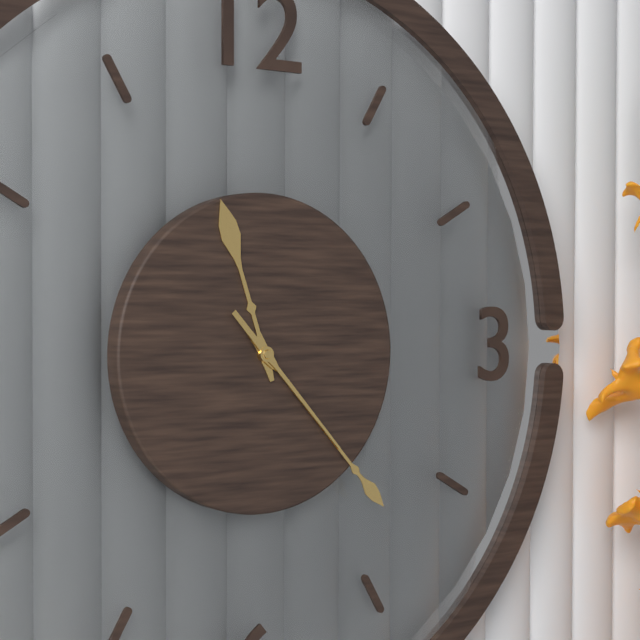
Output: 11h23m23s
